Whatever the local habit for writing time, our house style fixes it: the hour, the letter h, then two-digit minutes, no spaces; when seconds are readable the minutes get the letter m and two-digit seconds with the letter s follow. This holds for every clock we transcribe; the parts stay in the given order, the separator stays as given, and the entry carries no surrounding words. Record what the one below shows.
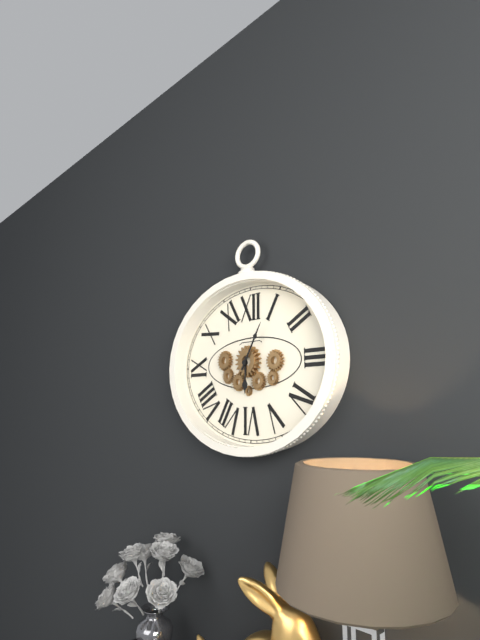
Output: 6h05
